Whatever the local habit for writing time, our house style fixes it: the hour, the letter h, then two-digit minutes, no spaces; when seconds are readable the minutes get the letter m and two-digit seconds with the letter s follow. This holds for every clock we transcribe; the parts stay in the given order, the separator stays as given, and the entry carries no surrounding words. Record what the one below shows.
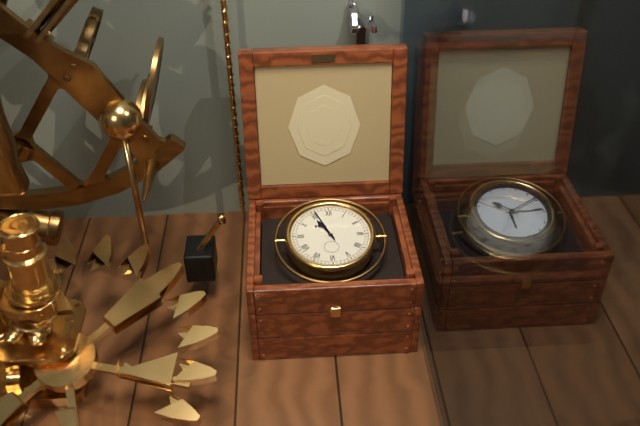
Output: 10h56
